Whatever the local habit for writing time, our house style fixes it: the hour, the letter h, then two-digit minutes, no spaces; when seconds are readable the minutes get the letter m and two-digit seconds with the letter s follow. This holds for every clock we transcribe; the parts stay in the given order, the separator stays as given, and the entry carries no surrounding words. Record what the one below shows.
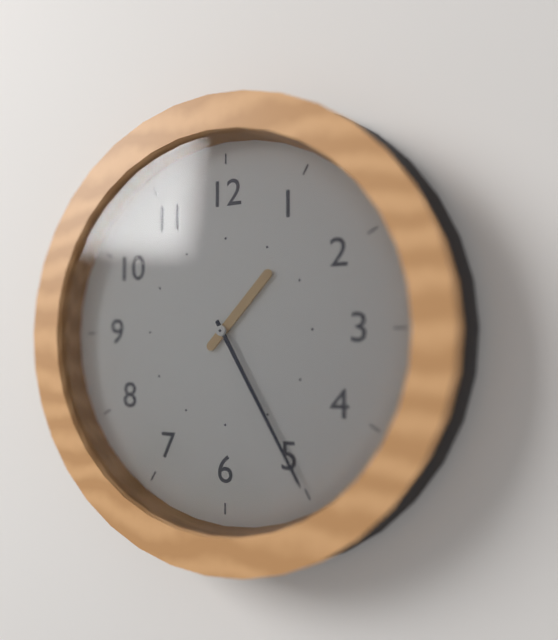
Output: 1h25
